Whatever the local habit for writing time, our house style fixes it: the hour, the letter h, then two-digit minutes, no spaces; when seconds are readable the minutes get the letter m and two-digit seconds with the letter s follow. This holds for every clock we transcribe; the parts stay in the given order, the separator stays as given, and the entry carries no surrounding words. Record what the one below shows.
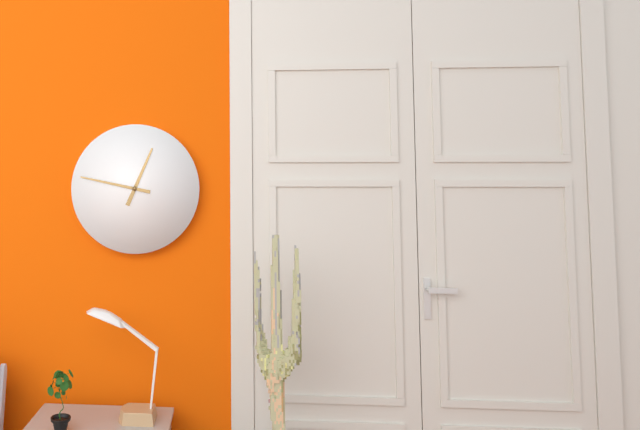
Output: 12h47
